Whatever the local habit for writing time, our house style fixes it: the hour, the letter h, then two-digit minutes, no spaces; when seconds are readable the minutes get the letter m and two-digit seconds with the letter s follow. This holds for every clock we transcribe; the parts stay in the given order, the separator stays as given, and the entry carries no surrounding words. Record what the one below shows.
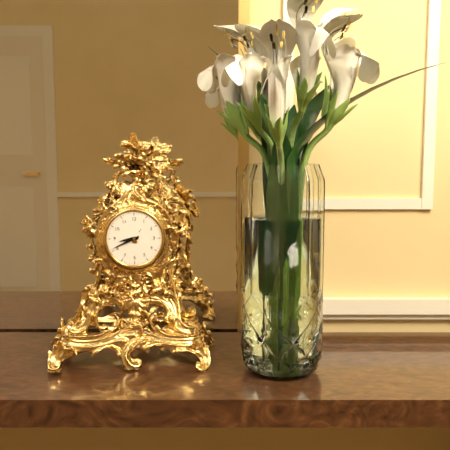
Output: 8h41
